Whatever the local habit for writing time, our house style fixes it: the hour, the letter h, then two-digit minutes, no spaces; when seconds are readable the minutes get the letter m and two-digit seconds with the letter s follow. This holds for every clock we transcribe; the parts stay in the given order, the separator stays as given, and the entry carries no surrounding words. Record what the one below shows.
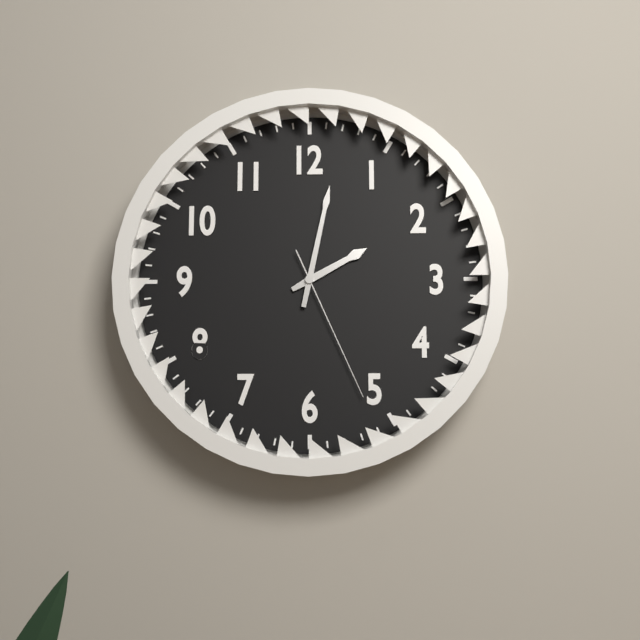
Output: 2h02m26s
